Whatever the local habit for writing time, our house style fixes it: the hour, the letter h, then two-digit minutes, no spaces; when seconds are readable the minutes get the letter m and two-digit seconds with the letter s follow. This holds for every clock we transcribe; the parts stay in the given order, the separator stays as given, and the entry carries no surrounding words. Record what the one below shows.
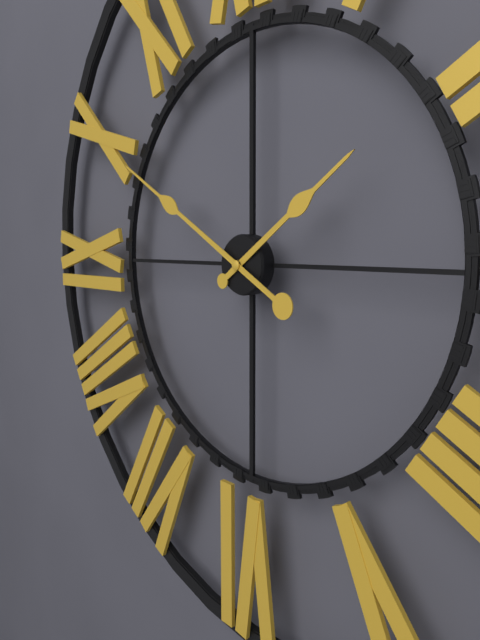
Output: 1h50
